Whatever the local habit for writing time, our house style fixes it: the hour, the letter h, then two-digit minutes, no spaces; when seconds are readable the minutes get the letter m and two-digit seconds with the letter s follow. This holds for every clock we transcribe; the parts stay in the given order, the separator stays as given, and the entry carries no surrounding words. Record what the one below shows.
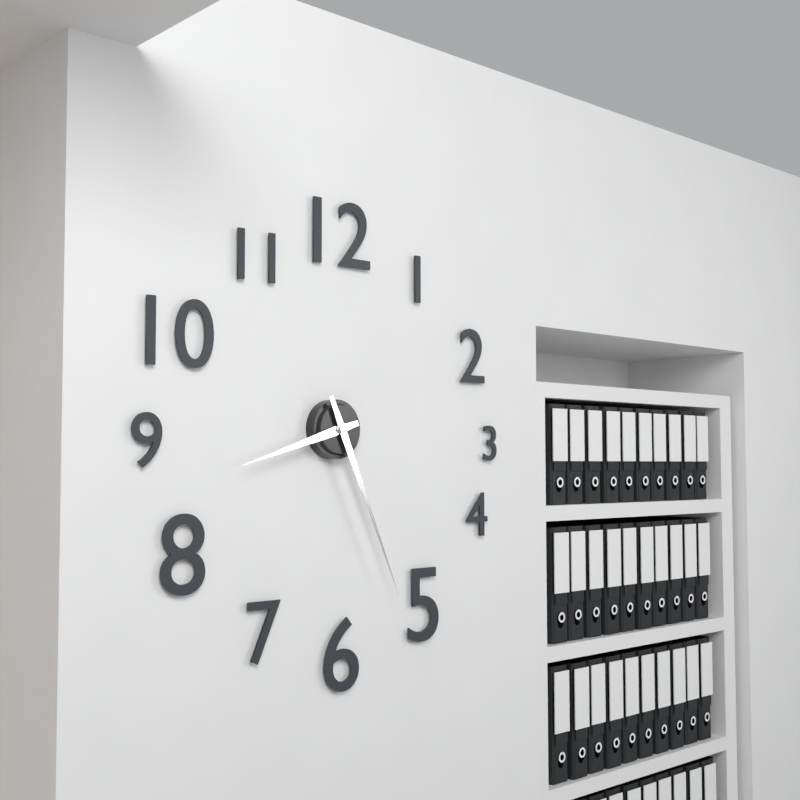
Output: 8h26
